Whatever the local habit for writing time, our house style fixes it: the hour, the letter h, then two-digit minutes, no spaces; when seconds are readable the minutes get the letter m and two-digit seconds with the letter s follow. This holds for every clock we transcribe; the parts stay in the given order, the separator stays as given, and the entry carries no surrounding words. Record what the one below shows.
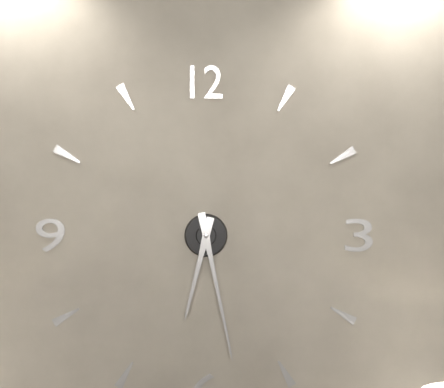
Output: 6h28
